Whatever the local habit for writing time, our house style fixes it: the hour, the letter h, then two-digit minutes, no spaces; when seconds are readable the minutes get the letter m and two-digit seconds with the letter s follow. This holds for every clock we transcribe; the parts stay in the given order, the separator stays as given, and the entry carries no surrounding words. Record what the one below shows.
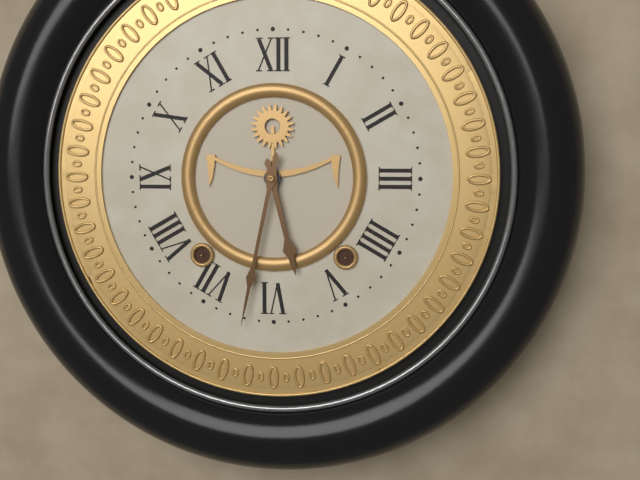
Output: 5h32
